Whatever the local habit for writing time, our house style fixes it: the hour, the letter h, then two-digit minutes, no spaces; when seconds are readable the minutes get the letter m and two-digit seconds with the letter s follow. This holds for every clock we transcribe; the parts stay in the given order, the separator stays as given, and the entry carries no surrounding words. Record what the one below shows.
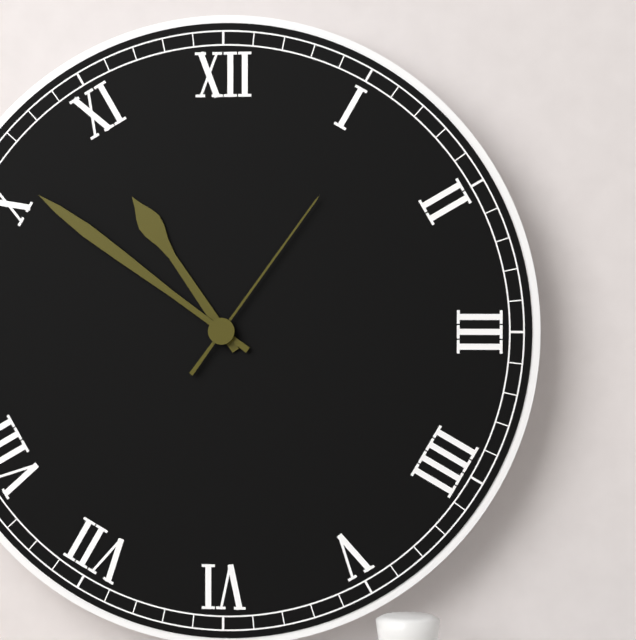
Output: 10h51m06s
